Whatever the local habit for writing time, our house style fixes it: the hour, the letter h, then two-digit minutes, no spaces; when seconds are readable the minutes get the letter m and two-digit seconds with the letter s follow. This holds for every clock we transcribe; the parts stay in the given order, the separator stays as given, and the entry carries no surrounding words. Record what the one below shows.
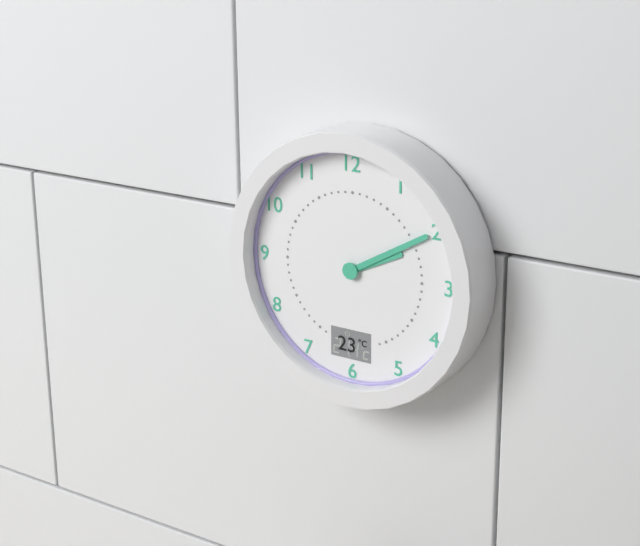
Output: 2h10
